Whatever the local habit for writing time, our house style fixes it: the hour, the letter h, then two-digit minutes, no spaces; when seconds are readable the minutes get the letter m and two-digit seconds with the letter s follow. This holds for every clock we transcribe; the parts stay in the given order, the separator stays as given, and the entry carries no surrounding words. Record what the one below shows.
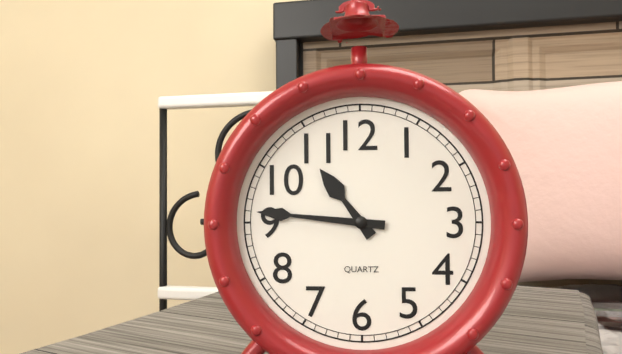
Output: 10h46
